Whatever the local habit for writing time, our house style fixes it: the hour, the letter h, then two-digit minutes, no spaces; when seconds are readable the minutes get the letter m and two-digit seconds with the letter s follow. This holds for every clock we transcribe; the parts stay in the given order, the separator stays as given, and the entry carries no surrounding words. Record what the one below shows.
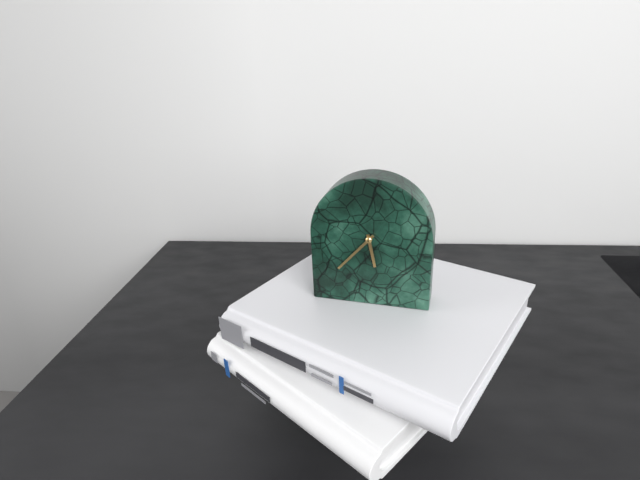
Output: 5h37
